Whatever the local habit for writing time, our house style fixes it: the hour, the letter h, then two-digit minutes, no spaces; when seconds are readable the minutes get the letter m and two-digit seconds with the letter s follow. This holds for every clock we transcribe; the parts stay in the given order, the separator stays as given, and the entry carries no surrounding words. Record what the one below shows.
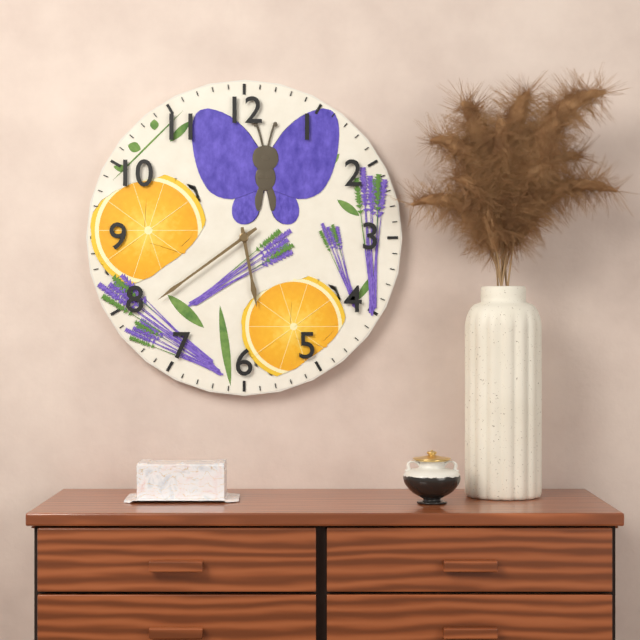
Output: 5h39
